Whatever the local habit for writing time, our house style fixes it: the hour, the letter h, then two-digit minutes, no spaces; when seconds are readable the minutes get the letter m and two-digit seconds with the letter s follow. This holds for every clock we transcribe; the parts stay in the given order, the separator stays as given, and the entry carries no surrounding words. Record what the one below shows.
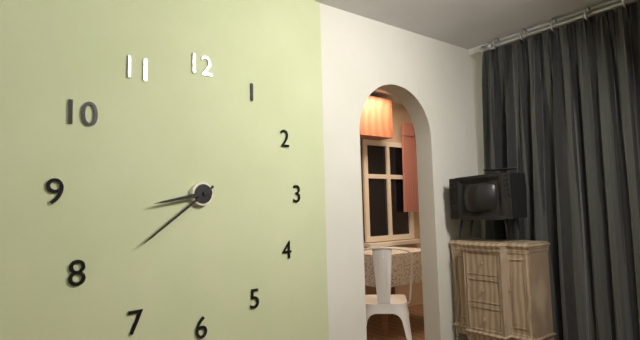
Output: 8h39
